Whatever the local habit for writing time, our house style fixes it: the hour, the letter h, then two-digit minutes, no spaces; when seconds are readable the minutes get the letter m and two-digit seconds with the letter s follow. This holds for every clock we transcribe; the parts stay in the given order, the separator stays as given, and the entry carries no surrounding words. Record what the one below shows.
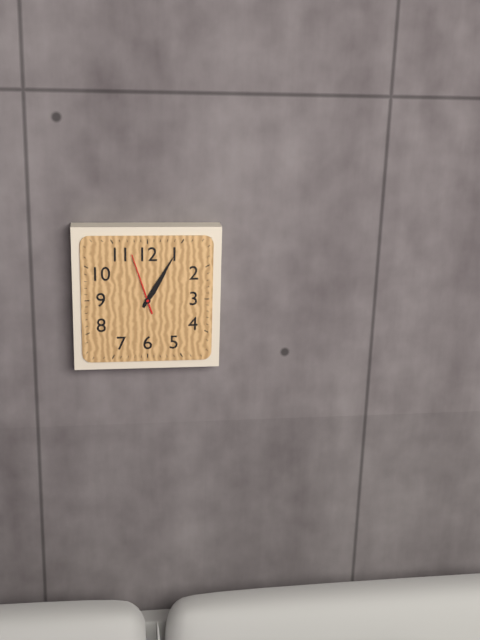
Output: 1h05m57s
